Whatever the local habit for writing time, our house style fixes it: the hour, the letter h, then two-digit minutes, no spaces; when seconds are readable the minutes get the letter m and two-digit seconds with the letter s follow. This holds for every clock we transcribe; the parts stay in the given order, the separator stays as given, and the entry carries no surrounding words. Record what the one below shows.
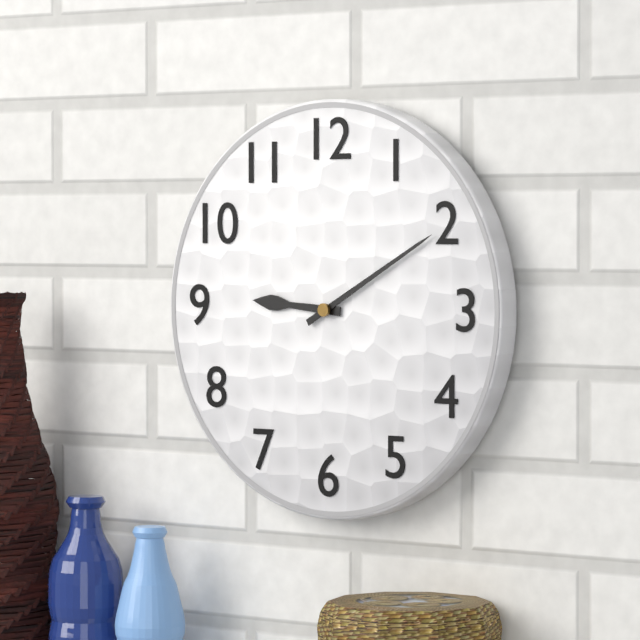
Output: 9h10
